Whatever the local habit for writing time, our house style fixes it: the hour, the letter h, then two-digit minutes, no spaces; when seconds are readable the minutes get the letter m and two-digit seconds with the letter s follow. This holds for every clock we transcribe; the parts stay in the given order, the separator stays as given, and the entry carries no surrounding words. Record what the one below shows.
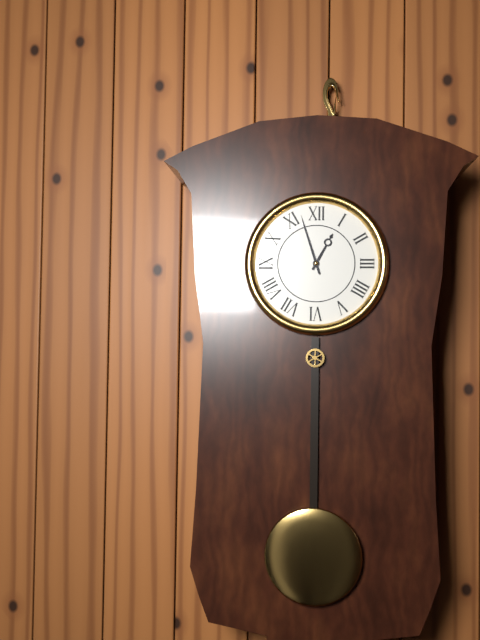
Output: 12h57
